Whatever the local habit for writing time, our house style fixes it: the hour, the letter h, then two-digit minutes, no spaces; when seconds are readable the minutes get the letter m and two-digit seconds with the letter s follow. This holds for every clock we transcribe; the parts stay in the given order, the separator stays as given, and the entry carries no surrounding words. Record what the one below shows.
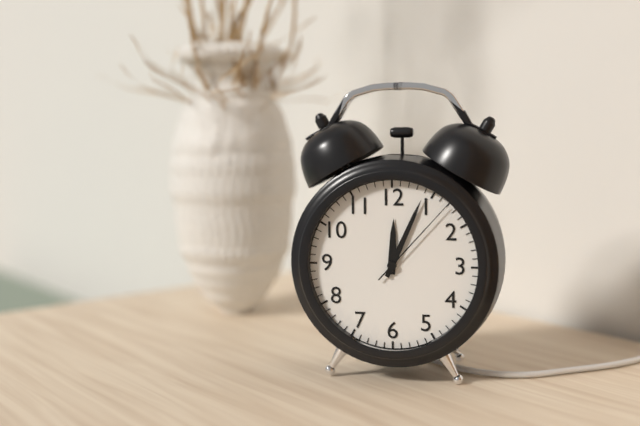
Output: 12h04m07s
